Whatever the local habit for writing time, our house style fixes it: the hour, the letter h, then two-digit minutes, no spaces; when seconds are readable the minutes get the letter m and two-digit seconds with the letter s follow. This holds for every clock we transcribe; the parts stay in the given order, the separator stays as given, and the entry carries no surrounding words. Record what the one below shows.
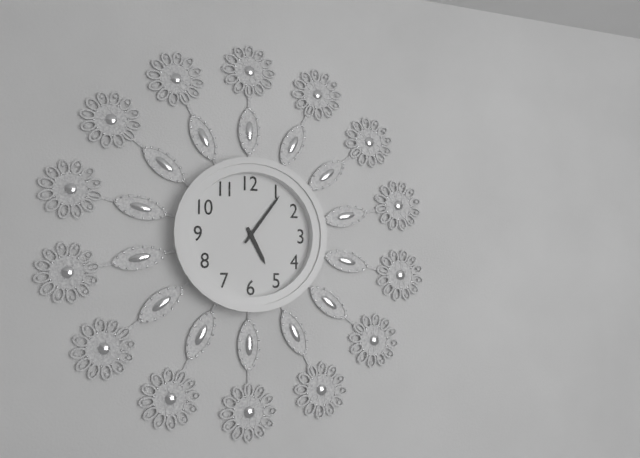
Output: 5h06
